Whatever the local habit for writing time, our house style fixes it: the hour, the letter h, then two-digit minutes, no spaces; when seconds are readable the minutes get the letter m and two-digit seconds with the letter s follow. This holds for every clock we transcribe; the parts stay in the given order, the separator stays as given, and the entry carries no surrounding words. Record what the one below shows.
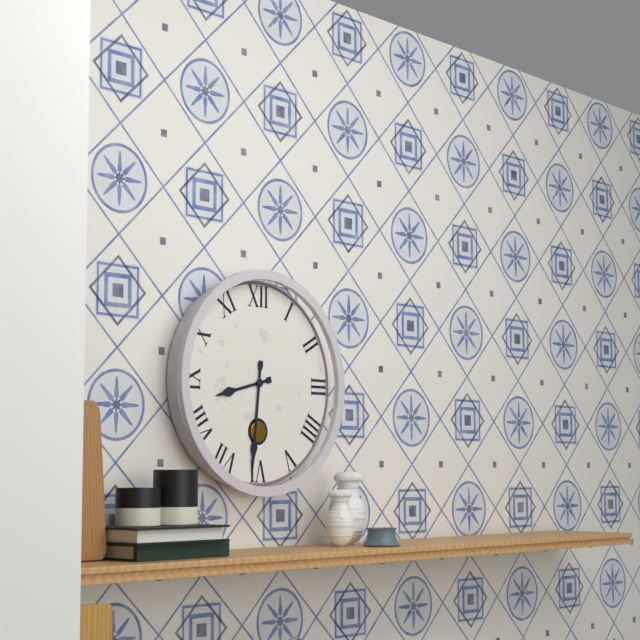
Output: 8h31
